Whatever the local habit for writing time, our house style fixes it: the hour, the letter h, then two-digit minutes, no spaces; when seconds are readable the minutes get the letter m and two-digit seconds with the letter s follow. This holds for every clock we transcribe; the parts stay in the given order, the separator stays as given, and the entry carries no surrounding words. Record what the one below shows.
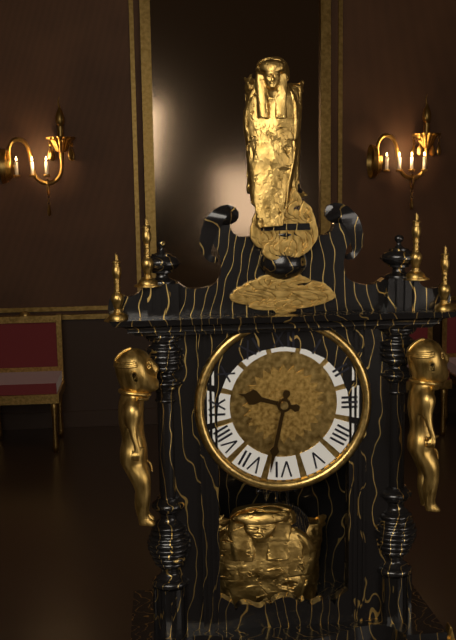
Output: 9h32
